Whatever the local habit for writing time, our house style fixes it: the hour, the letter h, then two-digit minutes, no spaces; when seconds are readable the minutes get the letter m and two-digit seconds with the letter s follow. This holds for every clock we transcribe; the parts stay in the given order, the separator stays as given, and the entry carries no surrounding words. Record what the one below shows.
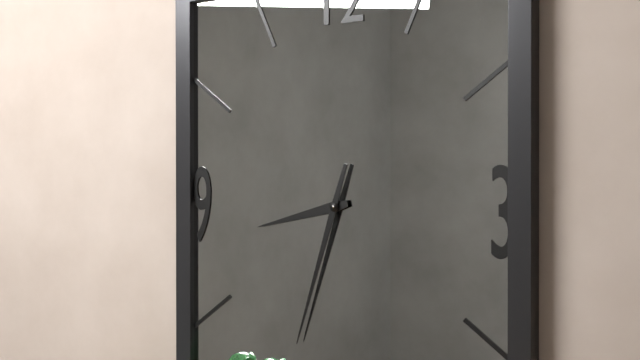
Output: 8h33
